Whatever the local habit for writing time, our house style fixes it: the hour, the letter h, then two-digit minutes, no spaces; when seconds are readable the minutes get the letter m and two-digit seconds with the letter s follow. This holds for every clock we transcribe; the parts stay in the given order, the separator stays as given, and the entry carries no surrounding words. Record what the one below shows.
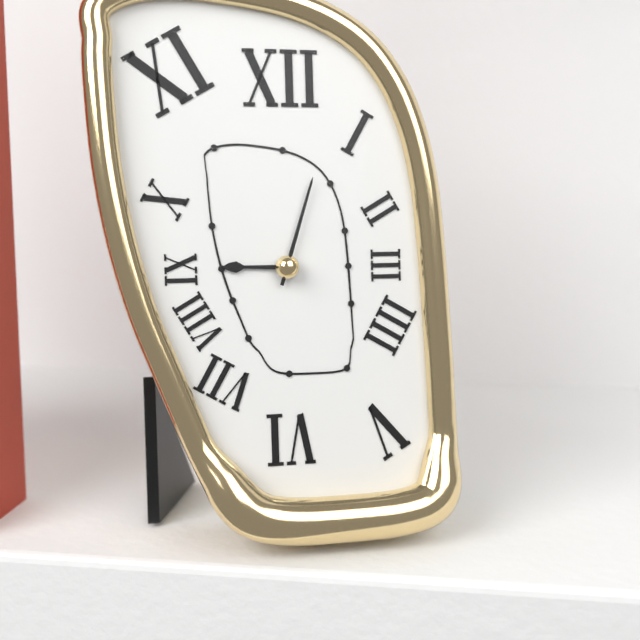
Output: 9h03
